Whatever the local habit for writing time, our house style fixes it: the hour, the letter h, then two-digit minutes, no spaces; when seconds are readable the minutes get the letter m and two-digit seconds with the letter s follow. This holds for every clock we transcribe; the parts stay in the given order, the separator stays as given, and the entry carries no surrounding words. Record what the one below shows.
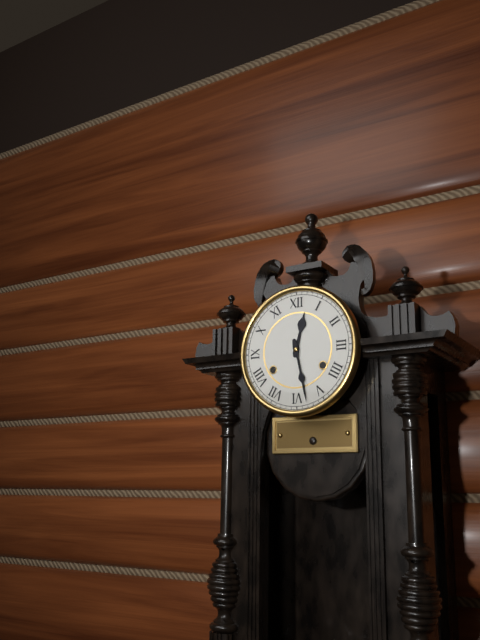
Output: 12h28
